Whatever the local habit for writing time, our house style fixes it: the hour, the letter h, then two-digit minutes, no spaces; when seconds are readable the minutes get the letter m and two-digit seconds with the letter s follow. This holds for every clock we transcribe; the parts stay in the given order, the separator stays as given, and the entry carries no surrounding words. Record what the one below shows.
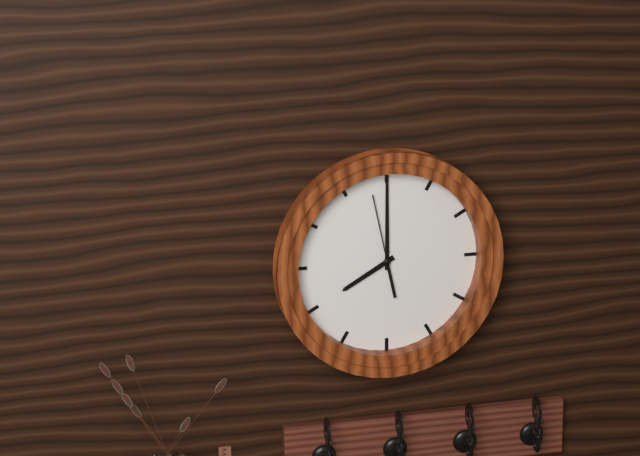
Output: 8h00m58s
